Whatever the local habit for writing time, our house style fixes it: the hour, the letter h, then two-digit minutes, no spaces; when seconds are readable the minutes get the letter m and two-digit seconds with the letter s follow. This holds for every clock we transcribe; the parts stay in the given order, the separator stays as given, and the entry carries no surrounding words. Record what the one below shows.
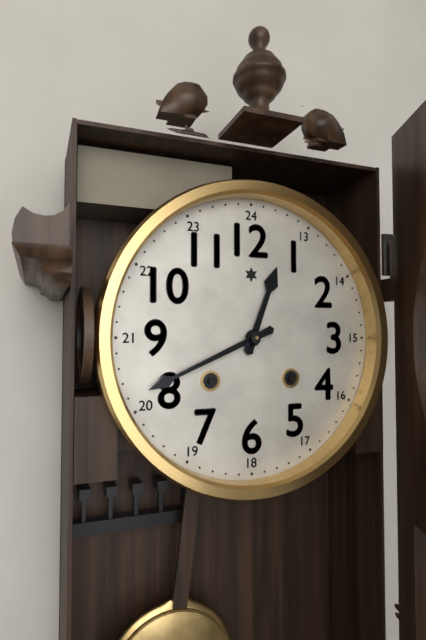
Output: 12h41
